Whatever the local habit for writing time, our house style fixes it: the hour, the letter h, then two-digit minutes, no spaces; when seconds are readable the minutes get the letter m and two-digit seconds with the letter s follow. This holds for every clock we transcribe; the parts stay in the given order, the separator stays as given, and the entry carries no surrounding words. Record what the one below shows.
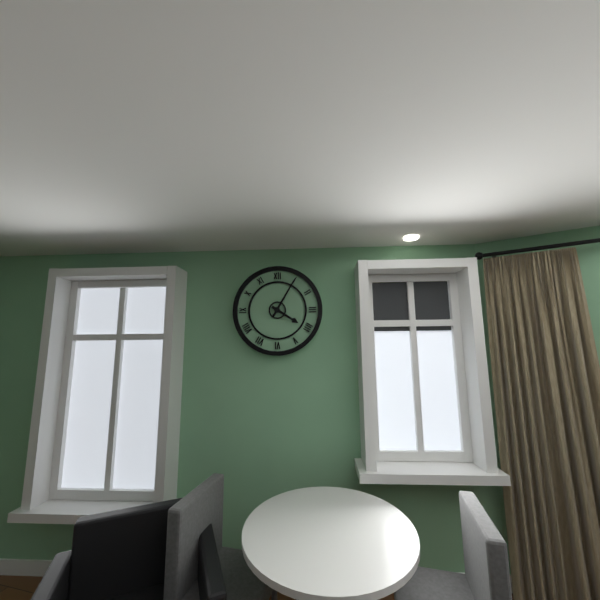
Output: 4h05
